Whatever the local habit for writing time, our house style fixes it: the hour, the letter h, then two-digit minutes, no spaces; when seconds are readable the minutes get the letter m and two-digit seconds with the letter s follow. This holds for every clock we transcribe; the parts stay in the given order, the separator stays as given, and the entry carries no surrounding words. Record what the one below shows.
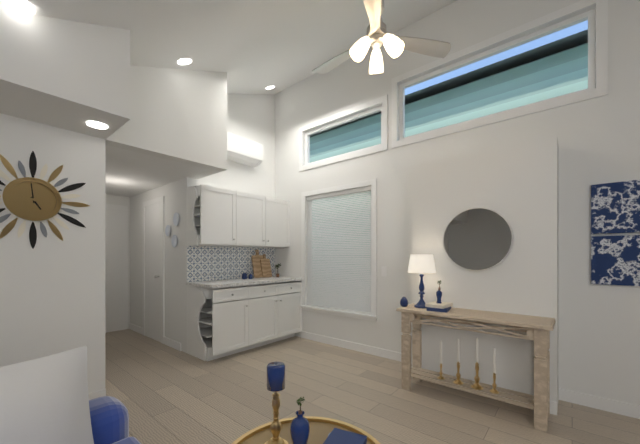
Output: 4h59
